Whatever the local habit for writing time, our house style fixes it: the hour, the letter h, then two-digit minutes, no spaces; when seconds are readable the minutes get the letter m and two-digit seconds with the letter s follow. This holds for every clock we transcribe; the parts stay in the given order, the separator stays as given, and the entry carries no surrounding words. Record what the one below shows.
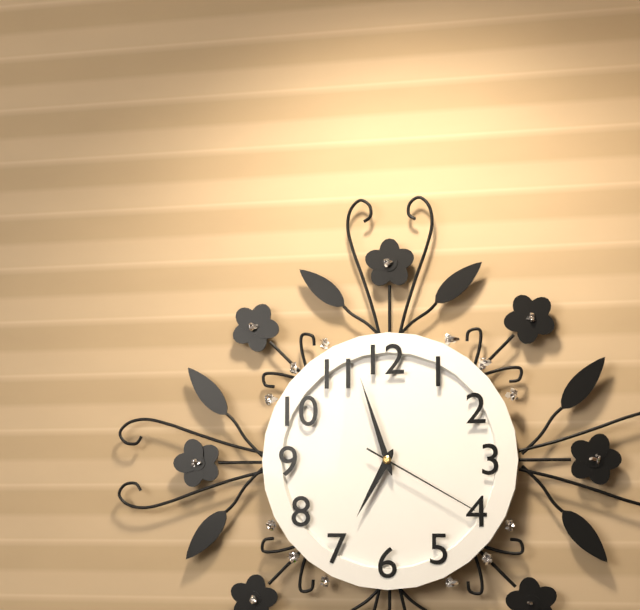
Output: 6h57m20s
